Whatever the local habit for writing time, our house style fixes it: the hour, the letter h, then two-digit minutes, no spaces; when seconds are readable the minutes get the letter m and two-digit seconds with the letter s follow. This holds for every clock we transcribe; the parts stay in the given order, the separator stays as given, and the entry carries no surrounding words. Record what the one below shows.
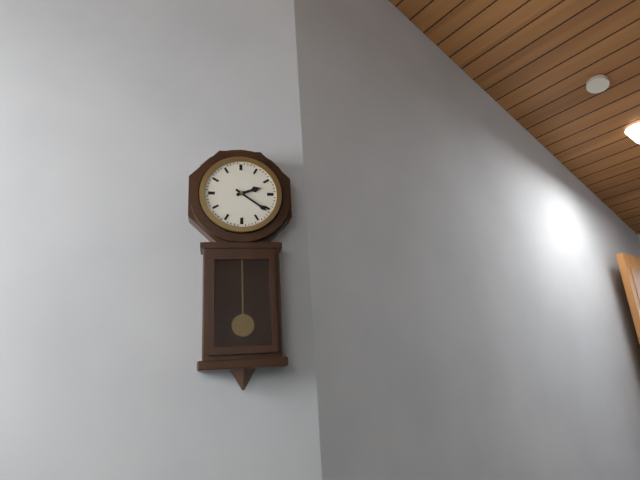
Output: 2h21
